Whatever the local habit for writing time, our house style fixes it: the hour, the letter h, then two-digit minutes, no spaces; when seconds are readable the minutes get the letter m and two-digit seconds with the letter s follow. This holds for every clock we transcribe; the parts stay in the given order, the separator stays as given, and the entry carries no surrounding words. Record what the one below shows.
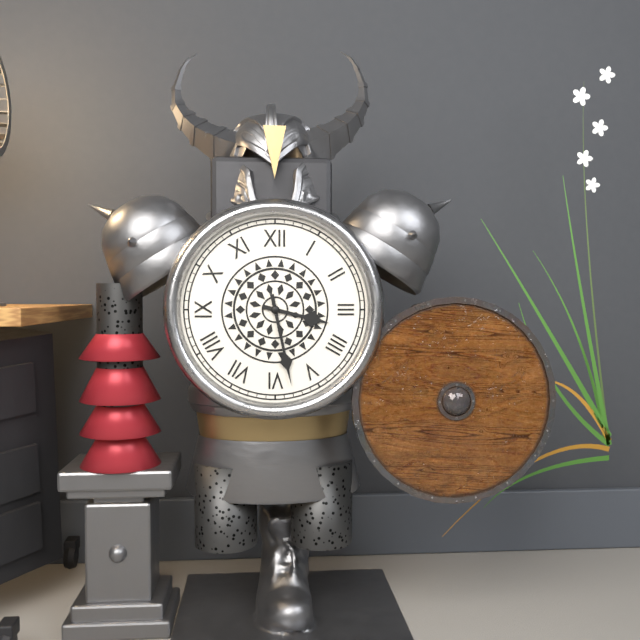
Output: 3h28
